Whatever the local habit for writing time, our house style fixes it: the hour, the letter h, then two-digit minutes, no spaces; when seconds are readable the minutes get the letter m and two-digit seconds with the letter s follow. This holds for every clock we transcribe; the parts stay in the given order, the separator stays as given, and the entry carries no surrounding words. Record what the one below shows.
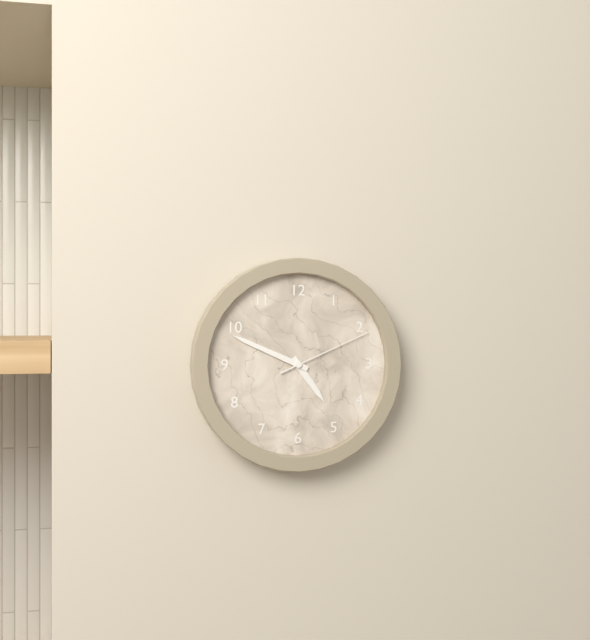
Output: 4h49m11s
